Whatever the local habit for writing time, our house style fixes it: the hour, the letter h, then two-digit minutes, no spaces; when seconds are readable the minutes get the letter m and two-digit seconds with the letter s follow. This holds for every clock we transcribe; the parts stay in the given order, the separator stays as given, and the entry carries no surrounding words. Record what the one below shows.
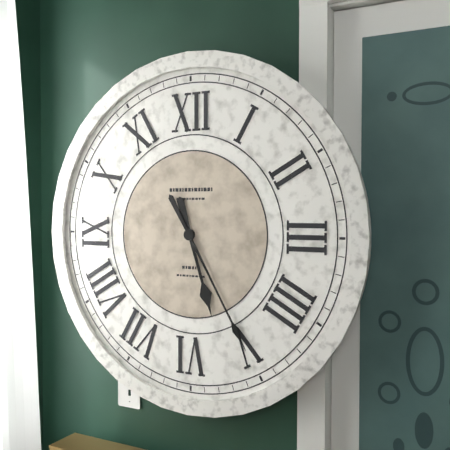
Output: 5h25
